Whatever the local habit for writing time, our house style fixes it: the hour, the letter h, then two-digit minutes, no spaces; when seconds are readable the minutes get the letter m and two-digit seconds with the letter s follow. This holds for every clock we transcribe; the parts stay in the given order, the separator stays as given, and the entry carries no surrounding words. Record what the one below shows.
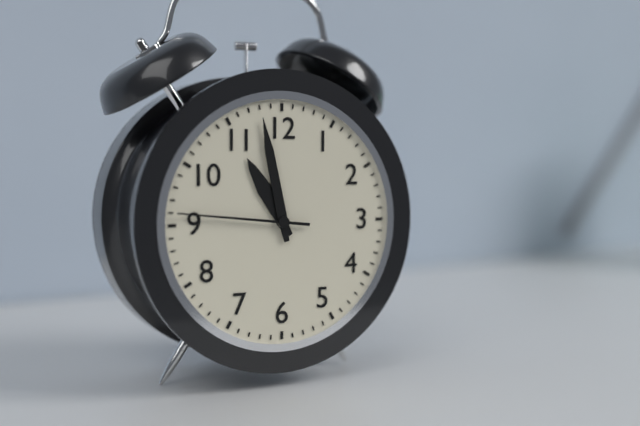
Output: 10h58m46s
